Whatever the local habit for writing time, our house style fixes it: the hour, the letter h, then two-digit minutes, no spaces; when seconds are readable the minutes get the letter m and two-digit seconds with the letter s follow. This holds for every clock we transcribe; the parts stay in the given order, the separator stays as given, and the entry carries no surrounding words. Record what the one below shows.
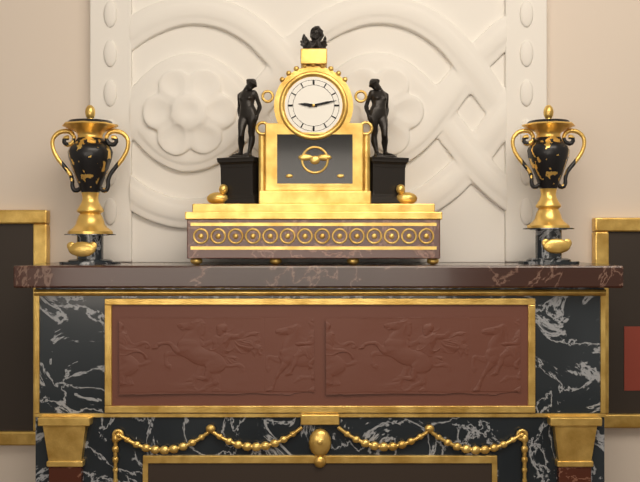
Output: 9h13
